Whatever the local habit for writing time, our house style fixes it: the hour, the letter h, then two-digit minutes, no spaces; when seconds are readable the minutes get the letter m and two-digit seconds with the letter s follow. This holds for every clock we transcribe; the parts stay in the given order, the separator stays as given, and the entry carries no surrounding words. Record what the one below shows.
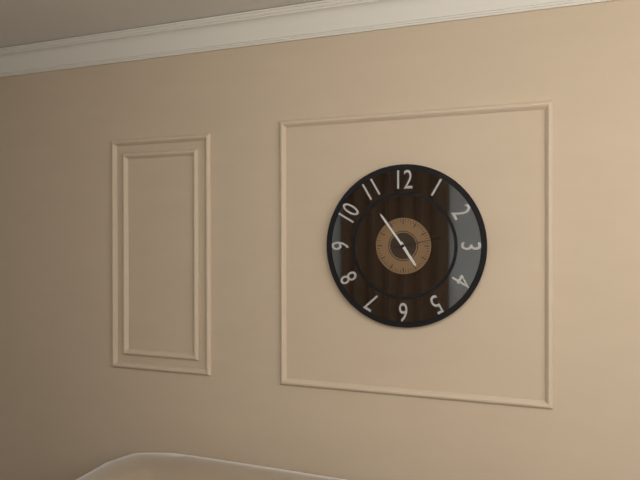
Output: 4h54m13s
